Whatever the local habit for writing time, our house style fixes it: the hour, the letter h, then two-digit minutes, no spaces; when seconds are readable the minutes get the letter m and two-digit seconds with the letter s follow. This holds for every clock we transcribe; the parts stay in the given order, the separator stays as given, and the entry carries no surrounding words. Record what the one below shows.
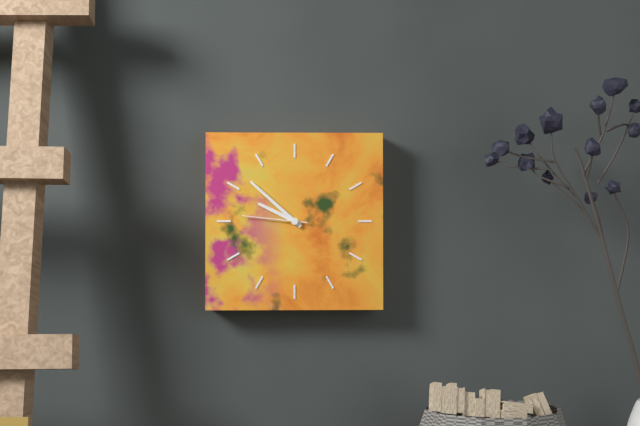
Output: 9h52m46s
